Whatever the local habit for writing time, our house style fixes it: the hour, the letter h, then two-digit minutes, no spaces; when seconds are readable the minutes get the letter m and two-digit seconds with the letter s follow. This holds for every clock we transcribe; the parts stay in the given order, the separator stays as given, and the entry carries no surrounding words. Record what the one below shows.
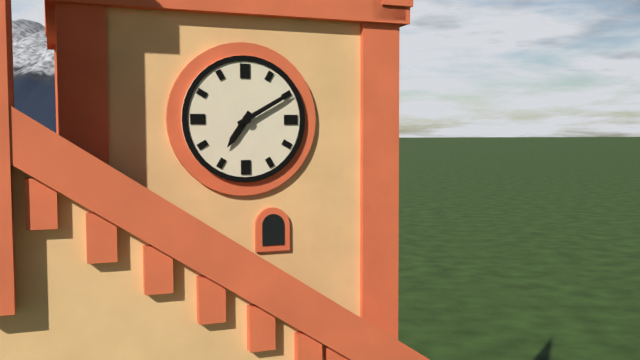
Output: 7h10
